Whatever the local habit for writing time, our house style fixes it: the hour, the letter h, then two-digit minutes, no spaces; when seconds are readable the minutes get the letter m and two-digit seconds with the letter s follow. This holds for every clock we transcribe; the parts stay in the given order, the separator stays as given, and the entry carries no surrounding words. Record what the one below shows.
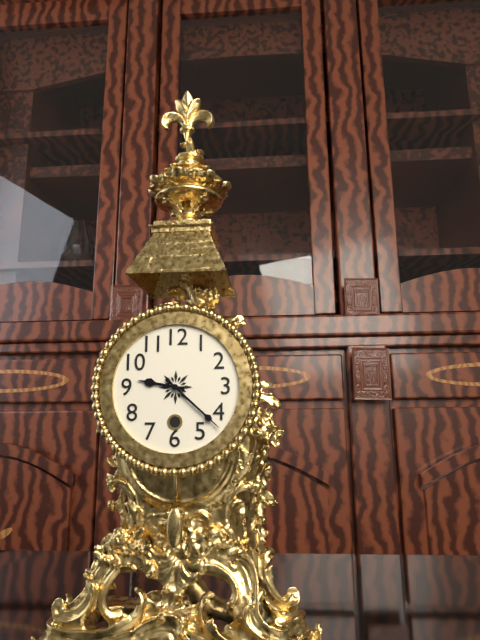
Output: 9h22
